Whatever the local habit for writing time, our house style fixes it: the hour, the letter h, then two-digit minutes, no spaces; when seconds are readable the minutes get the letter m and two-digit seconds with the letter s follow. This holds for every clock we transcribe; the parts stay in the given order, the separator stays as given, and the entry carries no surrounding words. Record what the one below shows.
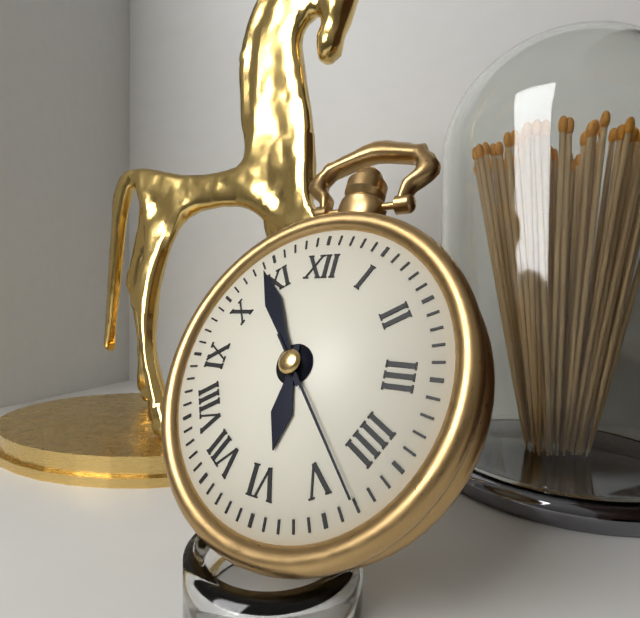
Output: 5h54m23s
